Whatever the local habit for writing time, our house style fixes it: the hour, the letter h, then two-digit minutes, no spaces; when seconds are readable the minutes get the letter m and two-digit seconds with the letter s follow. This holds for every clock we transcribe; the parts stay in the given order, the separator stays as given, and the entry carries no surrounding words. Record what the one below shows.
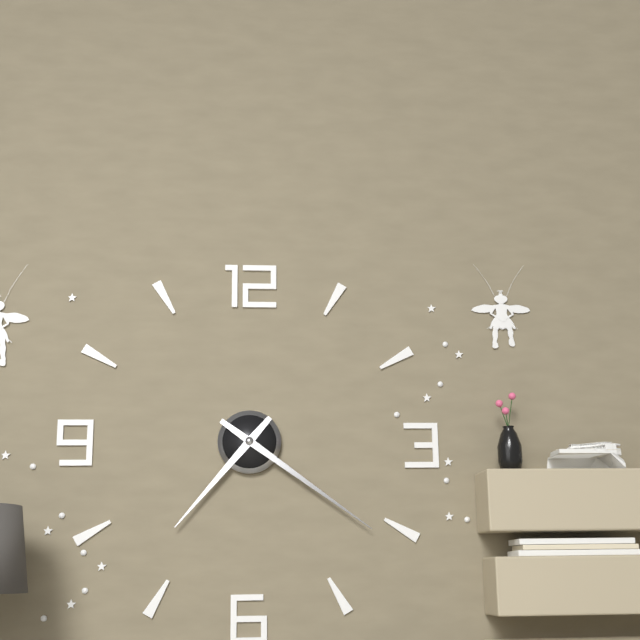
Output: 7h21
